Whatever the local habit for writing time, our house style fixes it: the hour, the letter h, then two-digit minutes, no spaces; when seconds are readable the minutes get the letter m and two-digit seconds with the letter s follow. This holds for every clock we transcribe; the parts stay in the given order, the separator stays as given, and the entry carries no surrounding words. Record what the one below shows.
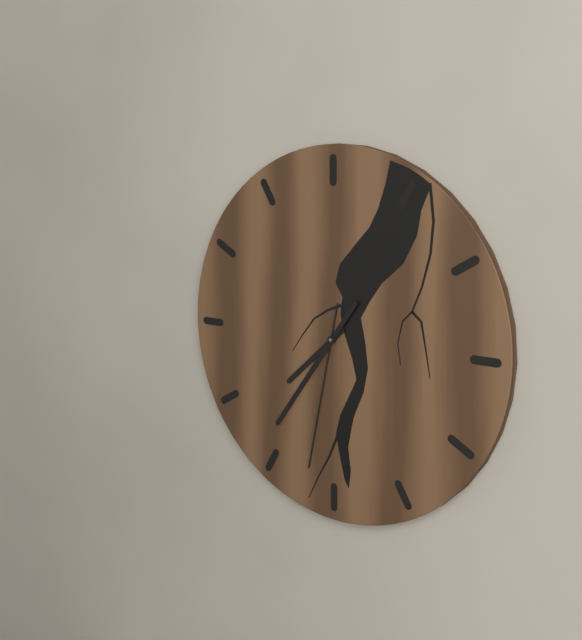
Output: 7h36m32s
